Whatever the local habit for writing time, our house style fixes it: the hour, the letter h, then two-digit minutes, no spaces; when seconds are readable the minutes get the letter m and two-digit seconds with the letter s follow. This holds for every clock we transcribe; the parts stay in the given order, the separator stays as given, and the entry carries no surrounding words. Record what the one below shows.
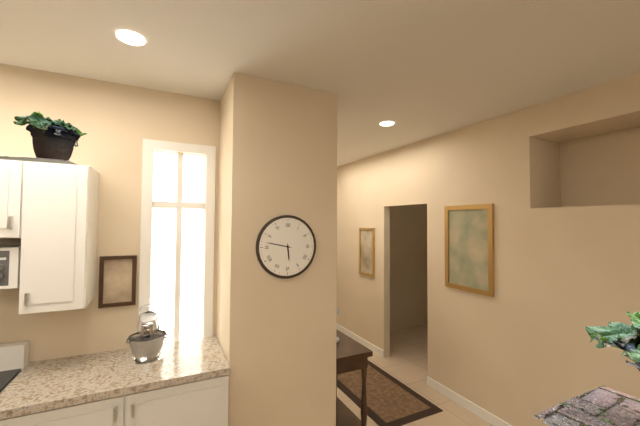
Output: 5h47
